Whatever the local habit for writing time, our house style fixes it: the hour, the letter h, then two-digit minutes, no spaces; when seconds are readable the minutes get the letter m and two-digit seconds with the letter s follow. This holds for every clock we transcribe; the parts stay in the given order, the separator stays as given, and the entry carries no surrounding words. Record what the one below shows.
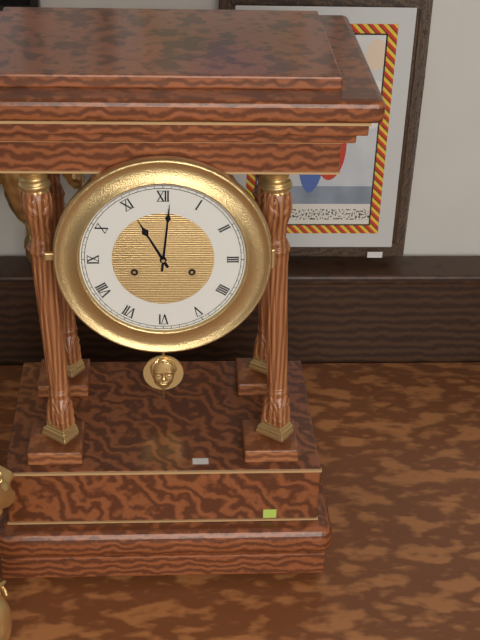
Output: 11h01
